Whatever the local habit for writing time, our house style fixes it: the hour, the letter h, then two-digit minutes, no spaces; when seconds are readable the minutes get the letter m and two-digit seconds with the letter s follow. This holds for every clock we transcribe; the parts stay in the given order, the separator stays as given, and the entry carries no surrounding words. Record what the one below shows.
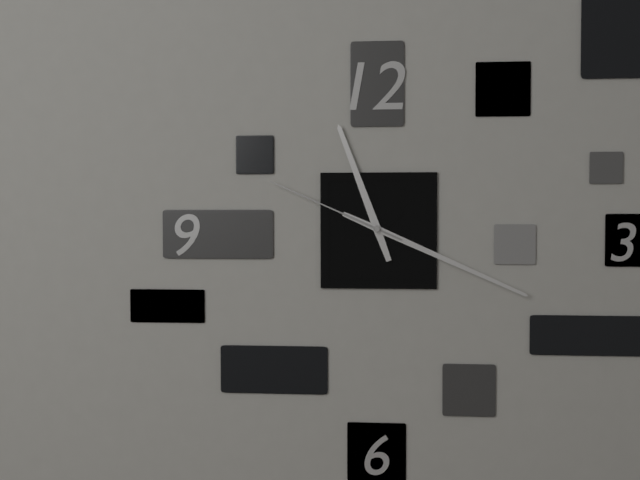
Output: 11h19m49s
